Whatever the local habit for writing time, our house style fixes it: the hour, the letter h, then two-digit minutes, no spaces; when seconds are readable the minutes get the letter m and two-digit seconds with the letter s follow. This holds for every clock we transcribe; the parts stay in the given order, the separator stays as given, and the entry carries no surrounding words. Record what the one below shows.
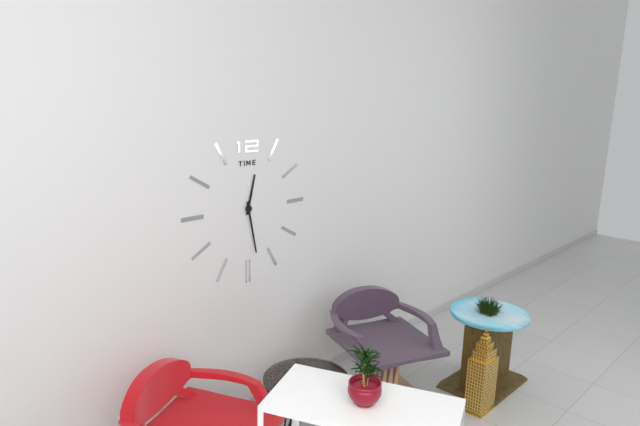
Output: 12h28
